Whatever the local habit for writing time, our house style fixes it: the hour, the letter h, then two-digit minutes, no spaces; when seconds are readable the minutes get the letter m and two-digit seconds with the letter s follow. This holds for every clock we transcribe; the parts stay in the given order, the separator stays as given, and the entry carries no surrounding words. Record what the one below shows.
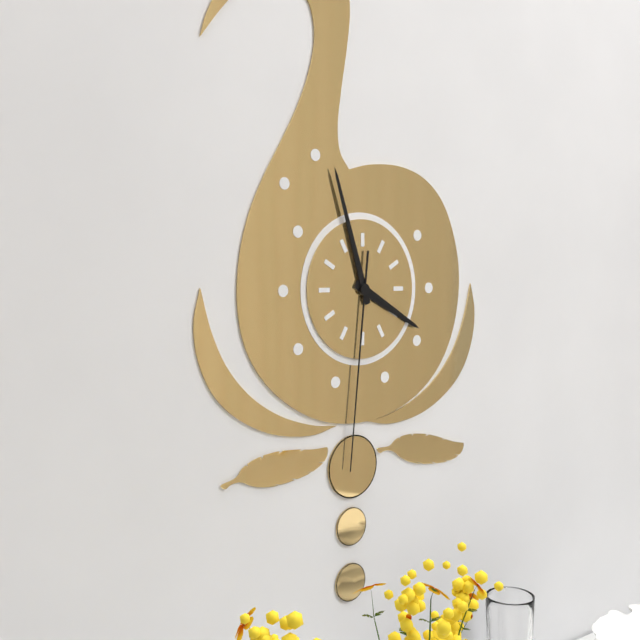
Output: 3h57m31s
